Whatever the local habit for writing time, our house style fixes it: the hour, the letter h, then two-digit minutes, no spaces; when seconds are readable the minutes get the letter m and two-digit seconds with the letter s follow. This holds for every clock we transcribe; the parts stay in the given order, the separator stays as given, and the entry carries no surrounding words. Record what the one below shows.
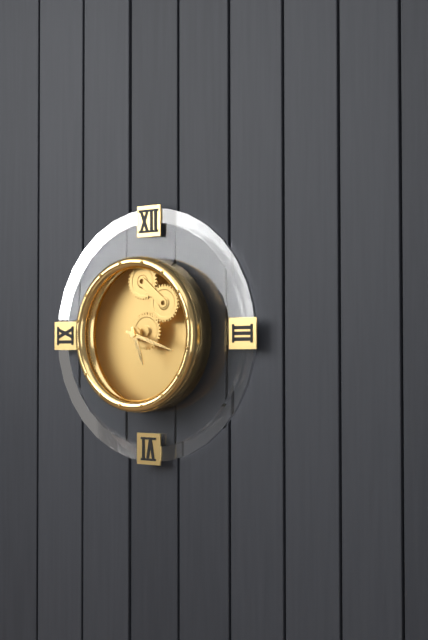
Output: 5h18
